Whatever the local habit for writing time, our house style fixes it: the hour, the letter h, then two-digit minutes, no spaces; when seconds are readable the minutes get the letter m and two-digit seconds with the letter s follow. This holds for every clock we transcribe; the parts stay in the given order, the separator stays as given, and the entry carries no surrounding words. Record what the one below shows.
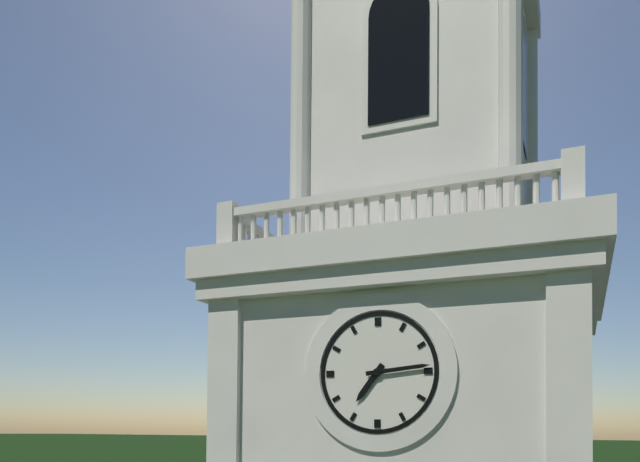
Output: 7h14
